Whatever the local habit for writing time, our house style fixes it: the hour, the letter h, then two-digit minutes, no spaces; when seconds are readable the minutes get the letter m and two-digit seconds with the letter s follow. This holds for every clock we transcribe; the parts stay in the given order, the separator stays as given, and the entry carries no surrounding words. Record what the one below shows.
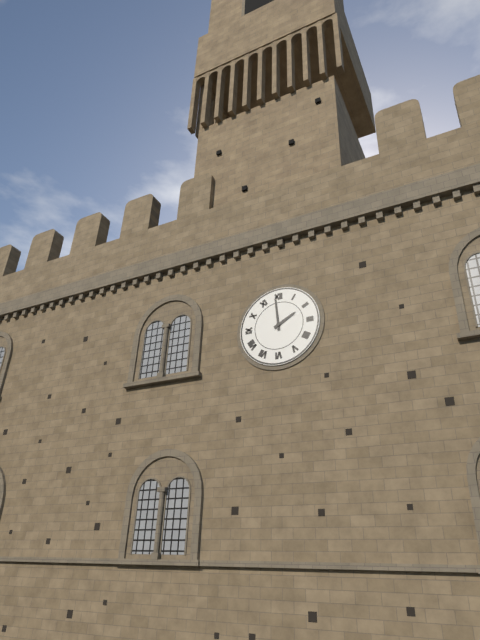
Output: 1h59
